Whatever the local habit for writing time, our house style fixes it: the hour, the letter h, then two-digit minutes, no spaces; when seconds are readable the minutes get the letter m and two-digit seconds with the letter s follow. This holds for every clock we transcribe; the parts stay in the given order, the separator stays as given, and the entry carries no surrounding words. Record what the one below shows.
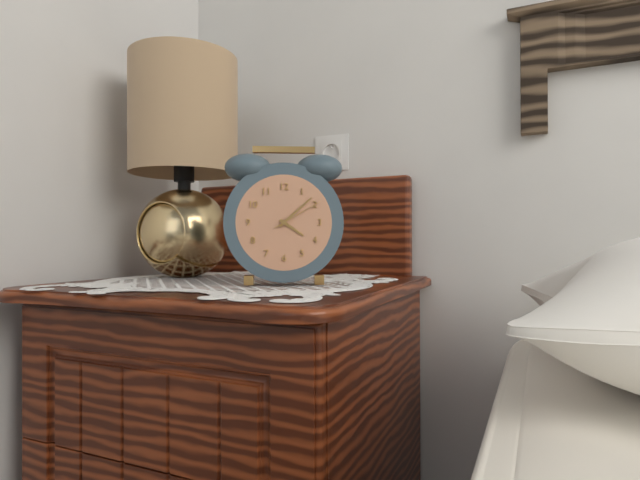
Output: 4h08m10s
